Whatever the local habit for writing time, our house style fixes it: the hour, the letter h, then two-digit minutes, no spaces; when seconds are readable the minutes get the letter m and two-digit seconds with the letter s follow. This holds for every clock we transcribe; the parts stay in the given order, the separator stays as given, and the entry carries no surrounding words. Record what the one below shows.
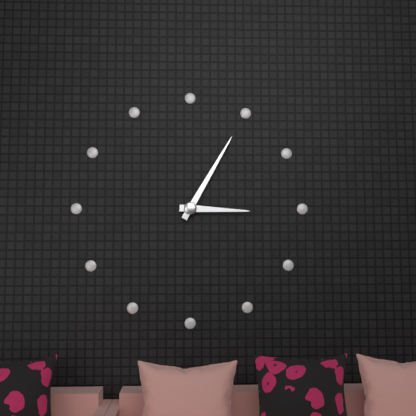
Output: 3h05
